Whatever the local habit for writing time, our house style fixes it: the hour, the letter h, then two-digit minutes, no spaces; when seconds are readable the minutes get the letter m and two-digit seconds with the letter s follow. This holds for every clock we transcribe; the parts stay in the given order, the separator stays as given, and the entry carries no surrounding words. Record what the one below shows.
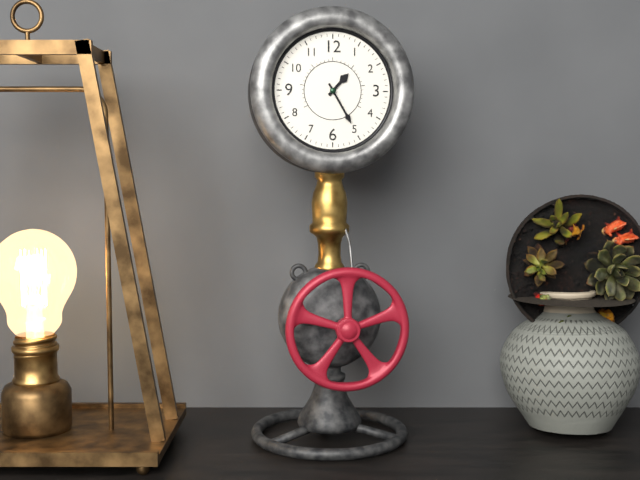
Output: 1h25
